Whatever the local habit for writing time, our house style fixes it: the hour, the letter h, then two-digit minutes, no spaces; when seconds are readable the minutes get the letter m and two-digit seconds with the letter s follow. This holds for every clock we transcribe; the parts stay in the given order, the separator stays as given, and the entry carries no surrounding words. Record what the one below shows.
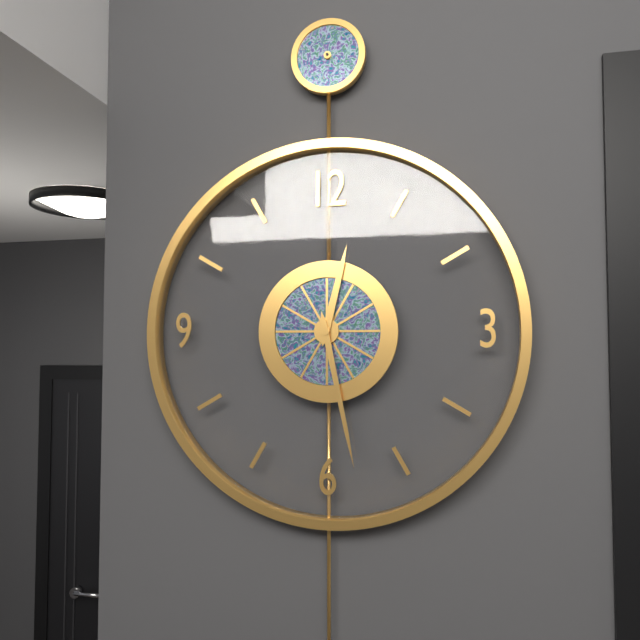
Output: 12h28
